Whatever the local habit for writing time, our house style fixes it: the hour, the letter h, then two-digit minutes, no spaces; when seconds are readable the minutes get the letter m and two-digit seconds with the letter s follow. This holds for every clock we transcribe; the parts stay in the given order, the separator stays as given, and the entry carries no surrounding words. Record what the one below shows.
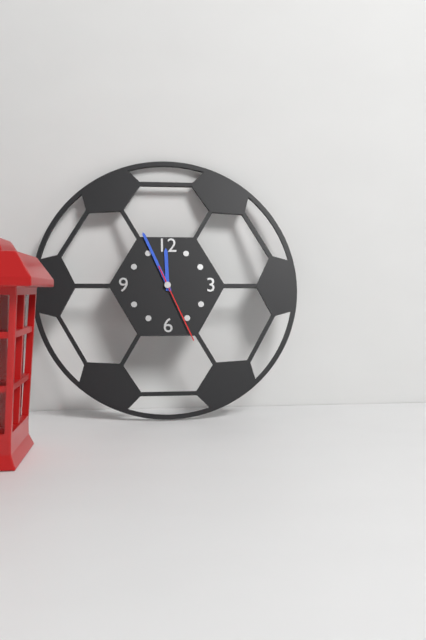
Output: 11h56m26s
